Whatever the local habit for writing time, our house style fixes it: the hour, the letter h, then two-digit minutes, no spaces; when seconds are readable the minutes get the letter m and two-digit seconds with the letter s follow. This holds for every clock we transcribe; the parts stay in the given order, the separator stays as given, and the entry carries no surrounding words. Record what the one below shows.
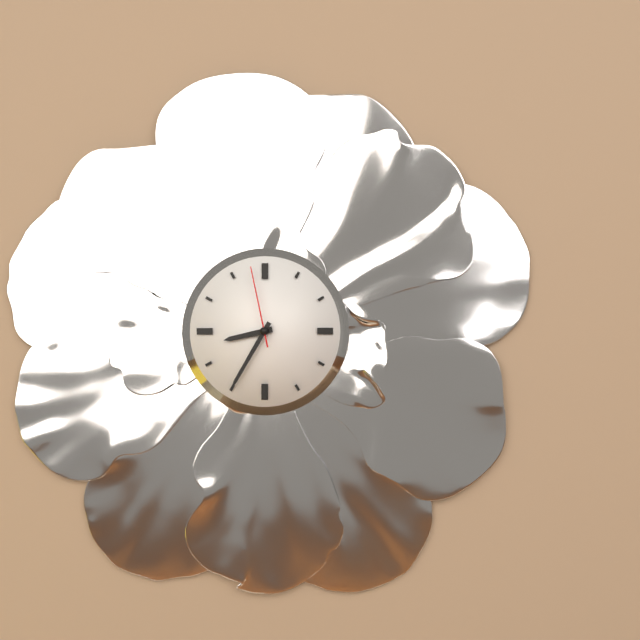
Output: 8h35m58s
